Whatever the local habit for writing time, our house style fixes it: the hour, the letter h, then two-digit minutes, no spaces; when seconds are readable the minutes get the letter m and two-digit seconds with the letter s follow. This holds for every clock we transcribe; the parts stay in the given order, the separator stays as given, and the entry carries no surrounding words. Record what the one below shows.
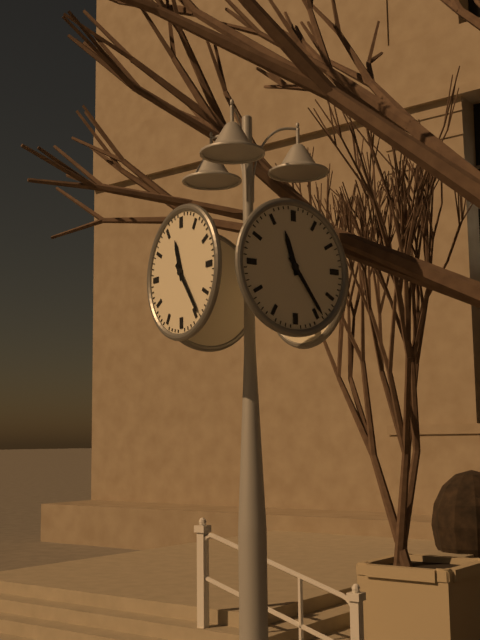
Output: 11h24
